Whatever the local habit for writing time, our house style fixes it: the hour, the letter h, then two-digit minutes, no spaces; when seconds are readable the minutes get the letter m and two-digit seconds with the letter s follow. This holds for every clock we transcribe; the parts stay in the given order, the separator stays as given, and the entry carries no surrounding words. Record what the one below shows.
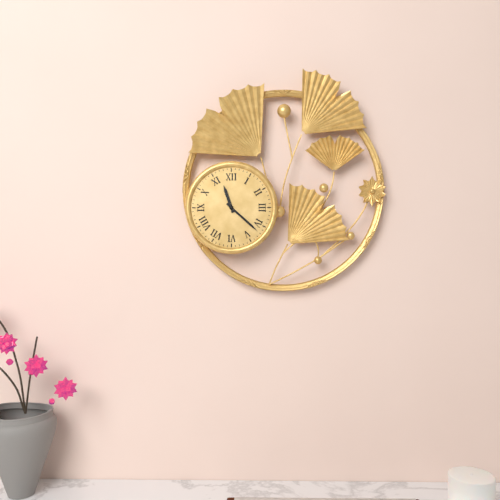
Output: 11h22
